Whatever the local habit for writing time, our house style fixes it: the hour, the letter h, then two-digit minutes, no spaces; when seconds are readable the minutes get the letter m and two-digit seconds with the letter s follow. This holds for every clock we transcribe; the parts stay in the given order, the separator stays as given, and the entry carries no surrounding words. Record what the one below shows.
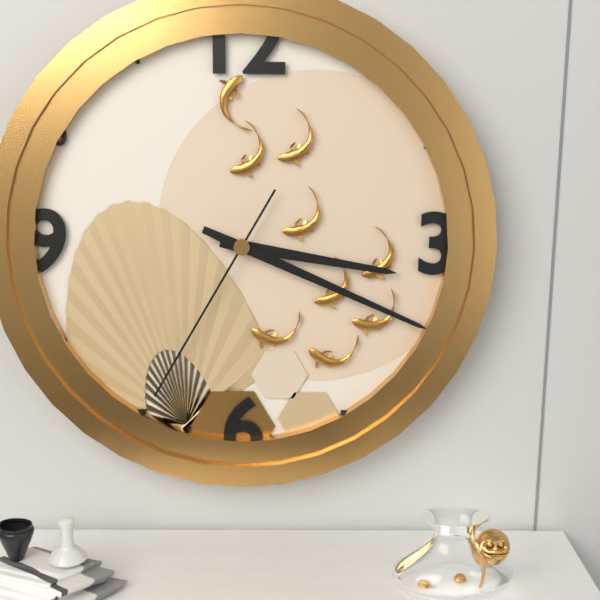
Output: 3h19m35s
